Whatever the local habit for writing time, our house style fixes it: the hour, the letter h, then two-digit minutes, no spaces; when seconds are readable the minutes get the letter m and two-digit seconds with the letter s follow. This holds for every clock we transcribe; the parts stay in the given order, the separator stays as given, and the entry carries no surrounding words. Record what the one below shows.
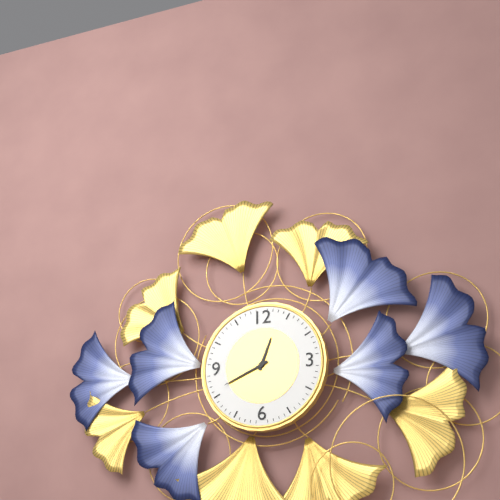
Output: 12h41
